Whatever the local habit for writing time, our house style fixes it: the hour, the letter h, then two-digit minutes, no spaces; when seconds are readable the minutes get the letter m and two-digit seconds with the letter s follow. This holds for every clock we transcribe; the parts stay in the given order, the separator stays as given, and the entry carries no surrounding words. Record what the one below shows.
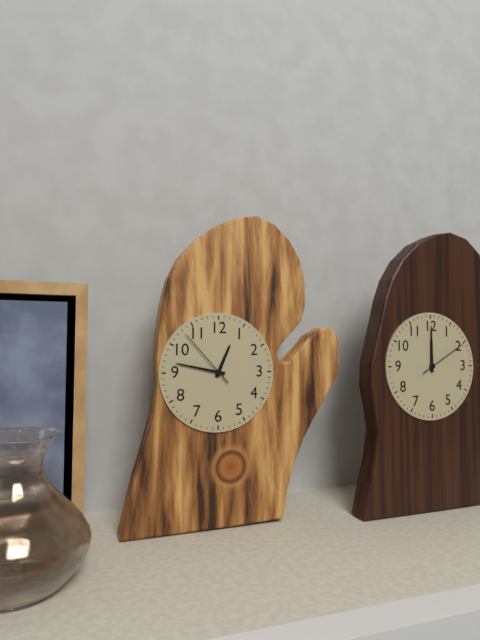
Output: 12h47m53s
